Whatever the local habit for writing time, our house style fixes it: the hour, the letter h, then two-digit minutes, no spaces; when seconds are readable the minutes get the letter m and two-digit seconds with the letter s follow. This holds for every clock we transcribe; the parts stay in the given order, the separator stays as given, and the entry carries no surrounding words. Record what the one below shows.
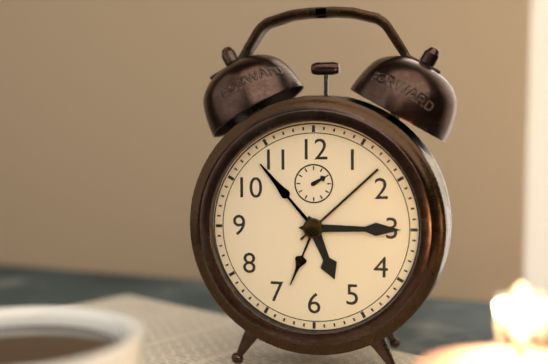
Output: 5h15
